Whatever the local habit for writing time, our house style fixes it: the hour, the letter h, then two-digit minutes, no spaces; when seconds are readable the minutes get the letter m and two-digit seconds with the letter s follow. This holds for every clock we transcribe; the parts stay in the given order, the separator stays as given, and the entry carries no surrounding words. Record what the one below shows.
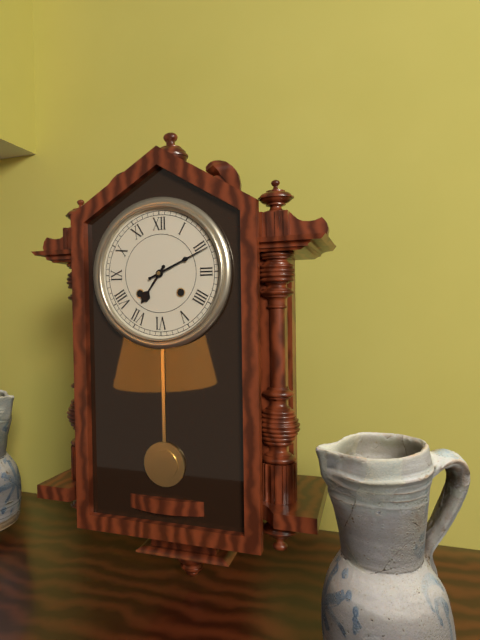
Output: 7h11
